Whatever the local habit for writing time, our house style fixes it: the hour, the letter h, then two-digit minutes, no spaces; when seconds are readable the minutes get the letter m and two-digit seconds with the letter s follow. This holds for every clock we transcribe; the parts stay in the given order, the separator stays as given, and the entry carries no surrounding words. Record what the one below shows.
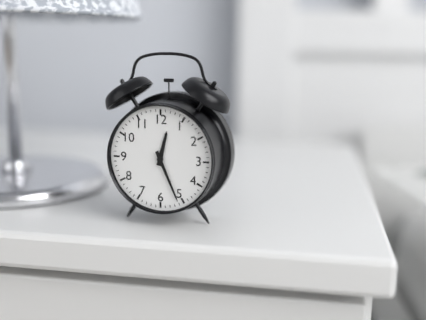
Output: 12h26
